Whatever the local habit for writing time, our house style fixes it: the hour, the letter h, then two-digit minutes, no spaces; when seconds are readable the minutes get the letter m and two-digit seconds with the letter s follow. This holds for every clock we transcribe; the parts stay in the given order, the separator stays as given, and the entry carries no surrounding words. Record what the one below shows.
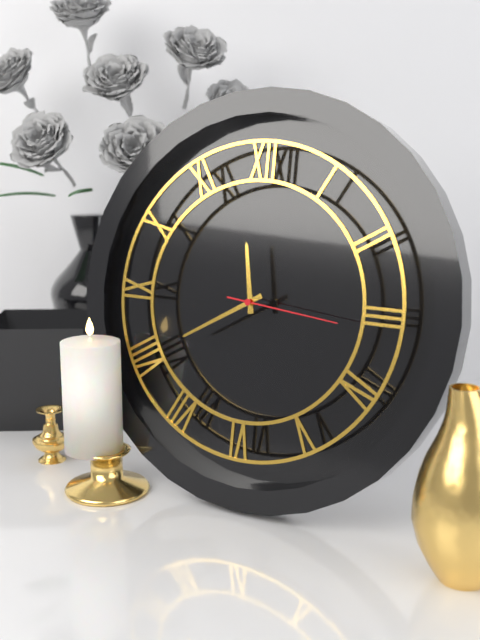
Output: 11h40m16s
